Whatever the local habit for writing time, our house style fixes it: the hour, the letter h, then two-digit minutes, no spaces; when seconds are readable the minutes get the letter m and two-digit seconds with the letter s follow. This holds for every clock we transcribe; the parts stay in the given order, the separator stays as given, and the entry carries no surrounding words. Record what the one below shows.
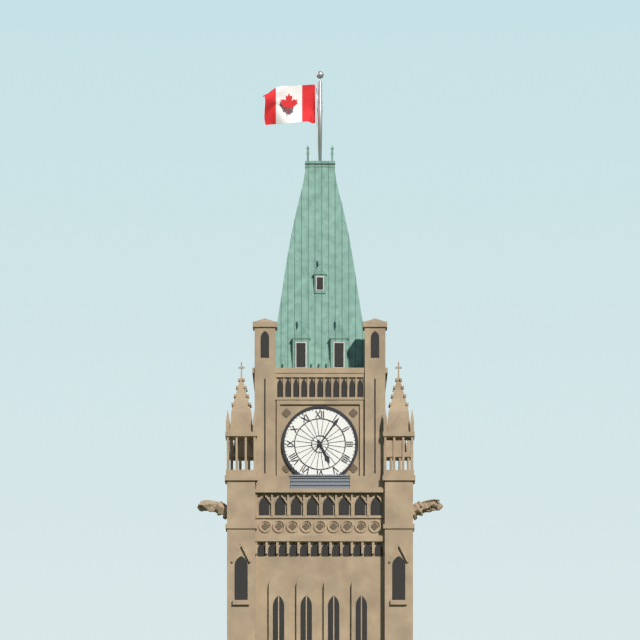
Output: 5h06
